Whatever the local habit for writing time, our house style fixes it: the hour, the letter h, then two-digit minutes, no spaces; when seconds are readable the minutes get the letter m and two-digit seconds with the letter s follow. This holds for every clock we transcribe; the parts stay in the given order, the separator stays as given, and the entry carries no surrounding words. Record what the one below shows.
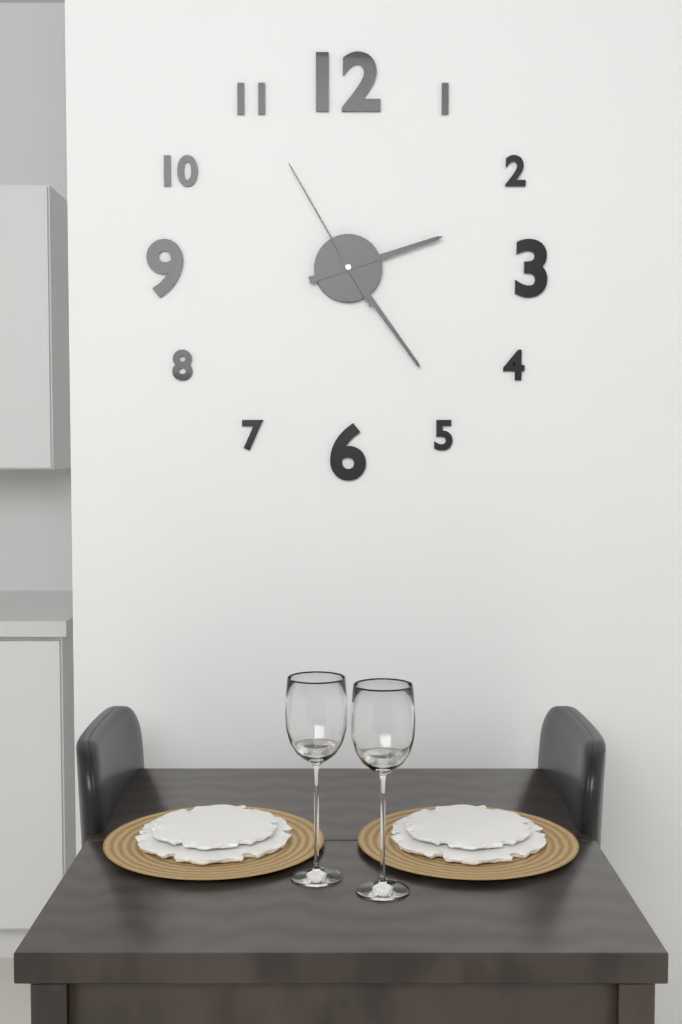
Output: 2h24m55s
